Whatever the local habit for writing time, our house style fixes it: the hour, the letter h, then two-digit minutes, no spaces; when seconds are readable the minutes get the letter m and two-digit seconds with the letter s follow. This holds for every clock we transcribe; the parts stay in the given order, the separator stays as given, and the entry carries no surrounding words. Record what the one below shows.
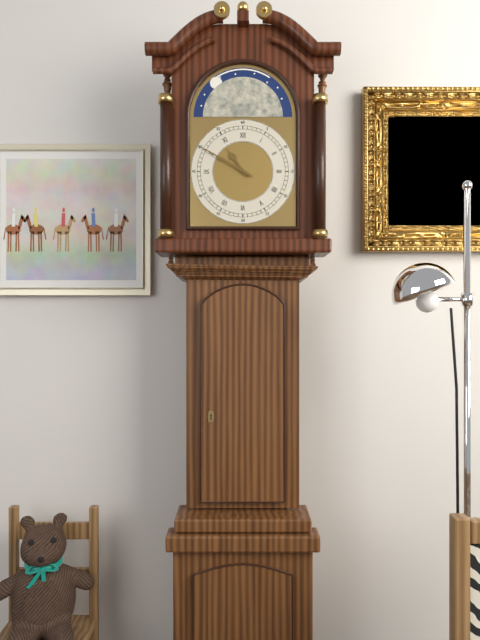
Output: 10h50
